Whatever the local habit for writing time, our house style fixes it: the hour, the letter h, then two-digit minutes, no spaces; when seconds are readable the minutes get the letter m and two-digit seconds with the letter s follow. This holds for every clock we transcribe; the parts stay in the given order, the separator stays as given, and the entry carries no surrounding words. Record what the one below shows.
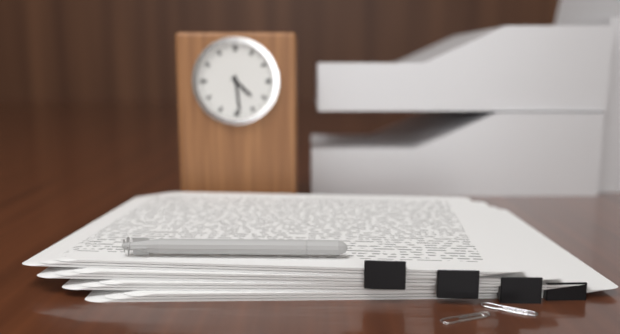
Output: 4h29
